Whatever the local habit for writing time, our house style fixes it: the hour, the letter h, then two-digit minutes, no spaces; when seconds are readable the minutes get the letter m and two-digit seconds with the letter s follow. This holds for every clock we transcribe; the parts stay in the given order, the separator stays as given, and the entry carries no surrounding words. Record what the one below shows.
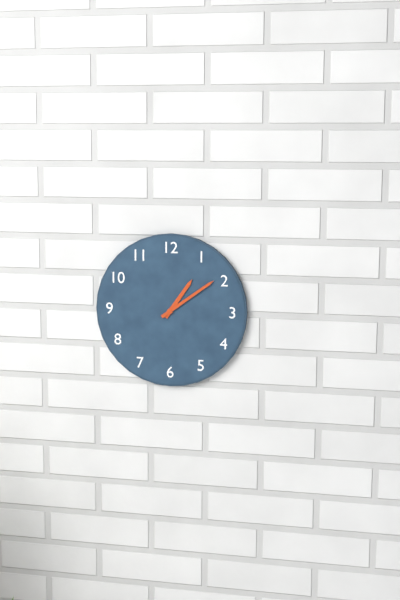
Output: 1h09
